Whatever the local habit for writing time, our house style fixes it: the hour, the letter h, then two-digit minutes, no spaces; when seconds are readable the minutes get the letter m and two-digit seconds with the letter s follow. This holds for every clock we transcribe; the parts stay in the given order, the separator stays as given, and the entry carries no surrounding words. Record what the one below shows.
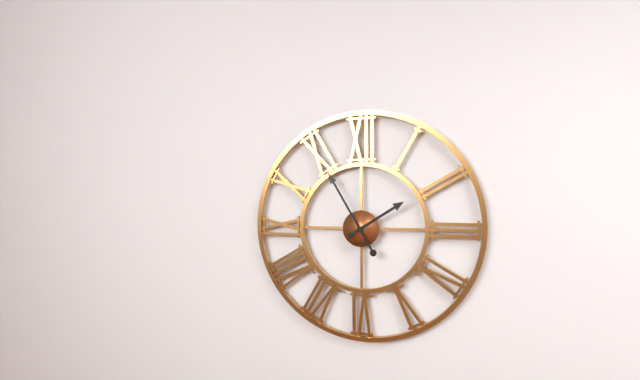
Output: 1h55
